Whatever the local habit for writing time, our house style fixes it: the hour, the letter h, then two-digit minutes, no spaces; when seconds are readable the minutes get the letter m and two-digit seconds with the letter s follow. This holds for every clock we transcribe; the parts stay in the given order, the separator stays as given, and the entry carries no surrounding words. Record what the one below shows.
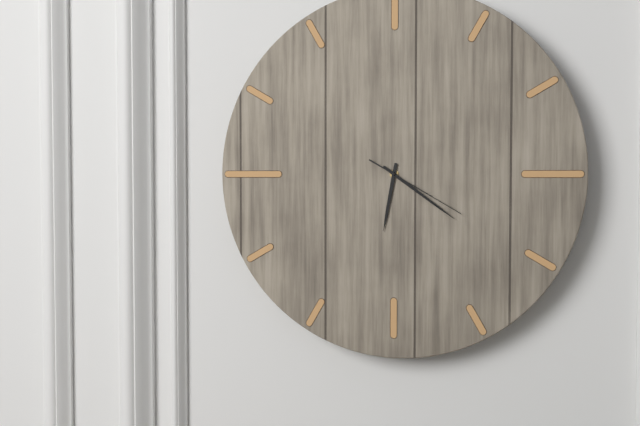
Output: 6h21m20s
